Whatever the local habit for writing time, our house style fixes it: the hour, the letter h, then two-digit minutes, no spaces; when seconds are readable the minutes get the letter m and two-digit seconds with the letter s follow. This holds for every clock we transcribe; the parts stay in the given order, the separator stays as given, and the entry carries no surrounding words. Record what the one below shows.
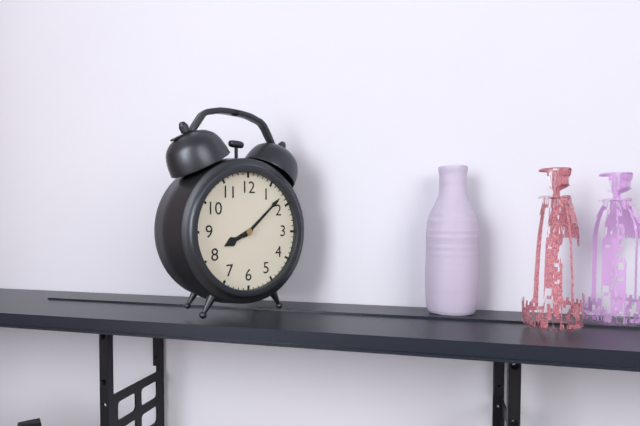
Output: 8h08
